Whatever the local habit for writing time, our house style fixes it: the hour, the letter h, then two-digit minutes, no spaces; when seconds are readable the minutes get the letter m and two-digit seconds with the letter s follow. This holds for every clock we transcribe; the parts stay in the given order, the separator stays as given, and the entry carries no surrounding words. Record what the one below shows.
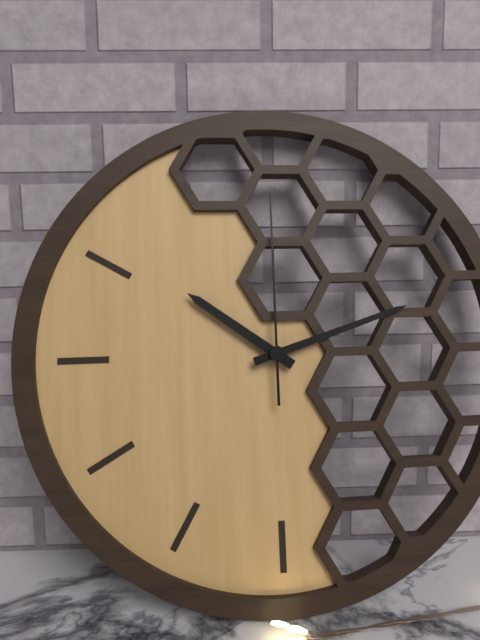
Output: 10h12m00s
